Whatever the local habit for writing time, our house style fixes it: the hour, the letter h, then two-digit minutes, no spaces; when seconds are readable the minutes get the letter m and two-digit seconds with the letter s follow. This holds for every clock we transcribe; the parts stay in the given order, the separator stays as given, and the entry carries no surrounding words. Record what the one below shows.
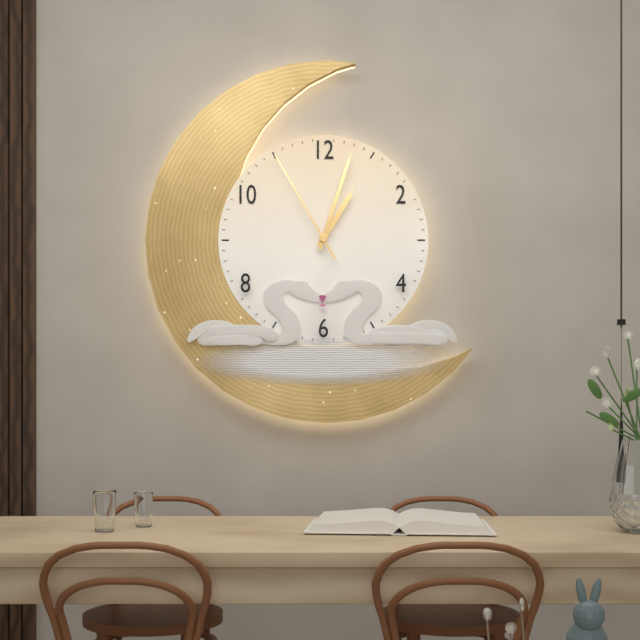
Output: 1h03m55s
